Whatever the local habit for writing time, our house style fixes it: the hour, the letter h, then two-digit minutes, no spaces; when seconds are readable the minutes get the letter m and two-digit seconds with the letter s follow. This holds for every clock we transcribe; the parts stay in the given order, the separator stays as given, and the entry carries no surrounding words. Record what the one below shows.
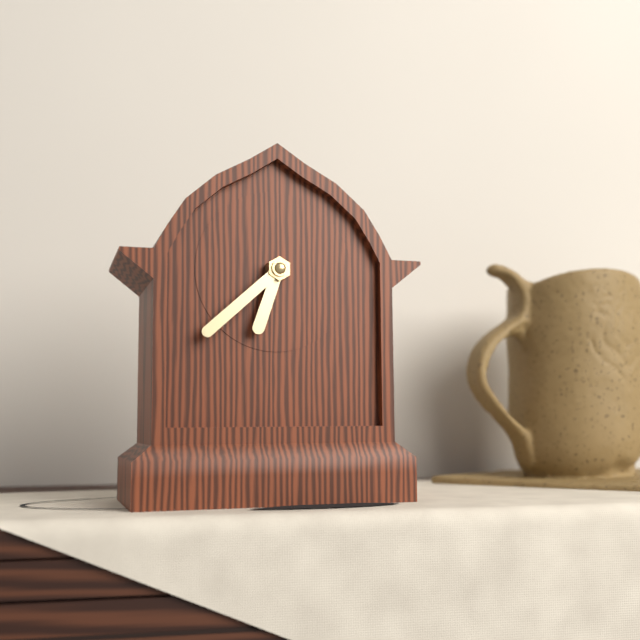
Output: 6h38
